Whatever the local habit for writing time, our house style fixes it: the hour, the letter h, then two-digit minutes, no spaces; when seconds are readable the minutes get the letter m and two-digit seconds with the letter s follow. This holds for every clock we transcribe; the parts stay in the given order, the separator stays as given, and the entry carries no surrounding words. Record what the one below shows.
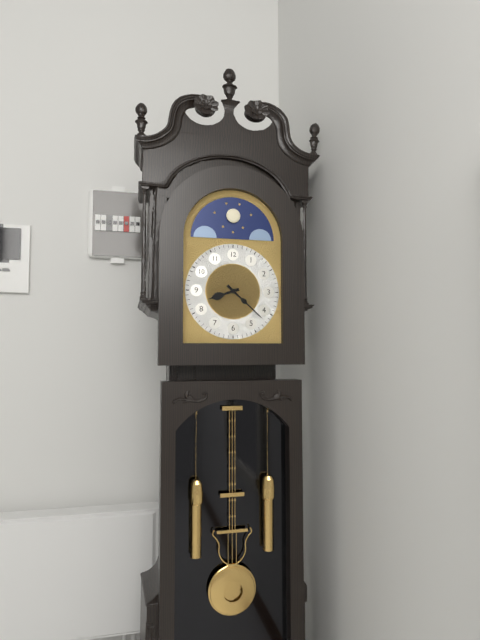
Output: 8h22
